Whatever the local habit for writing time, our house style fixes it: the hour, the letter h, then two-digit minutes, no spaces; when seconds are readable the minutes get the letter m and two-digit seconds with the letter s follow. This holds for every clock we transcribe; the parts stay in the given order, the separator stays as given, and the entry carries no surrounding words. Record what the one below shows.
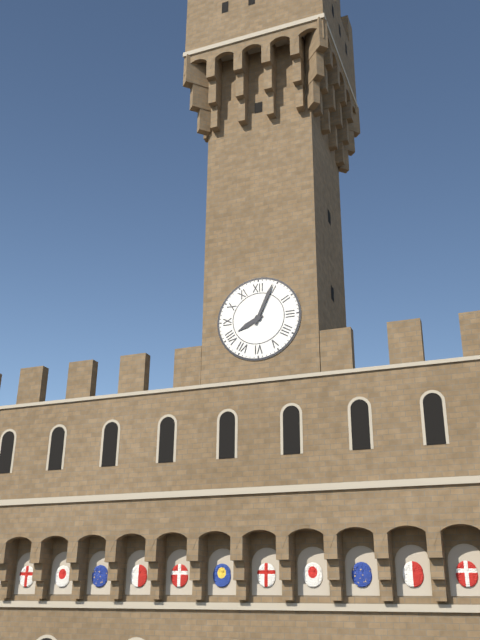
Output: 8h04
